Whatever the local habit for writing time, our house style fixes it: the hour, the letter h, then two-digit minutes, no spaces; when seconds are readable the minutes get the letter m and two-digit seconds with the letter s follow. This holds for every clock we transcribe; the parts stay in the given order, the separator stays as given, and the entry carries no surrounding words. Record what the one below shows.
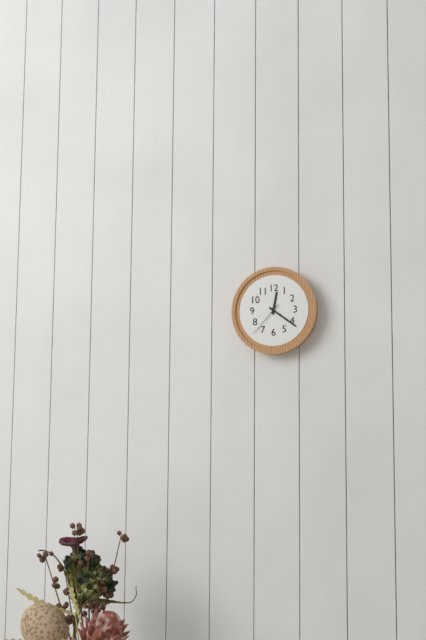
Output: 12h21
